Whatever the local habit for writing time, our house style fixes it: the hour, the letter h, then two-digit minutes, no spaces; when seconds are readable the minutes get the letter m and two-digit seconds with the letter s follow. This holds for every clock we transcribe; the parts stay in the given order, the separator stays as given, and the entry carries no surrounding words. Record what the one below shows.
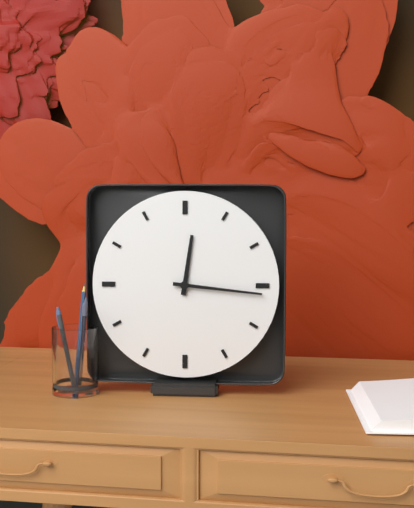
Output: 12h16
